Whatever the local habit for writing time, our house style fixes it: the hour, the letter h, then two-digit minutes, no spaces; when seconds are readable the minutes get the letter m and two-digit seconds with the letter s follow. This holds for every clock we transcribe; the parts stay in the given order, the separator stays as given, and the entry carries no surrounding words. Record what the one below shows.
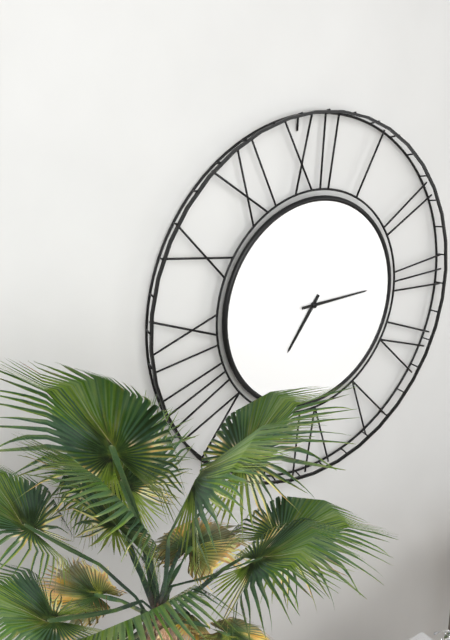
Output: 7h15
